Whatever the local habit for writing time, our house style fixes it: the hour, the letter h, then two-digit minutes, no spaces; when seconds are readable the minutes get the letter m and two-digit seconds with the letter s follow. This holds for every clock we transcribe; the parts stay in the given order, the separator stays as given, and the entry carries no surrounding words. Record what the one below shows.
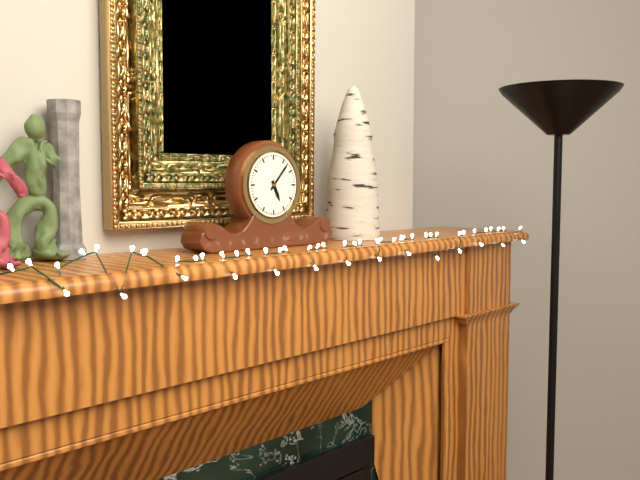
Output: 5h07
